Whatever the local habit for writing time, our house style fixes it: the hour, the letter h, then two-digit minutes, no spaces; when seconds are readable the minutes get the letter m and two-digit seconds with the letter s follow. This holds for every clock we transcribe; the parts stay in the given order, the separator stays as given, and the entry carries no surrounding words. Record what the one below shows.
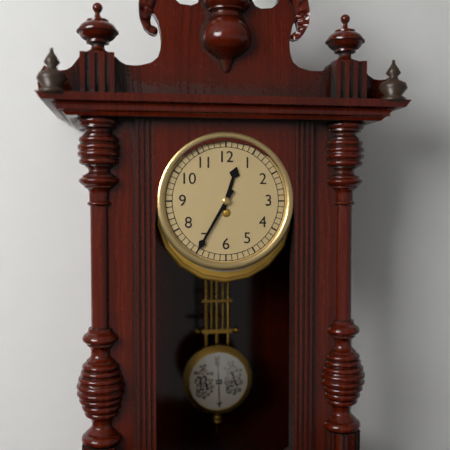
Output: 12h35
